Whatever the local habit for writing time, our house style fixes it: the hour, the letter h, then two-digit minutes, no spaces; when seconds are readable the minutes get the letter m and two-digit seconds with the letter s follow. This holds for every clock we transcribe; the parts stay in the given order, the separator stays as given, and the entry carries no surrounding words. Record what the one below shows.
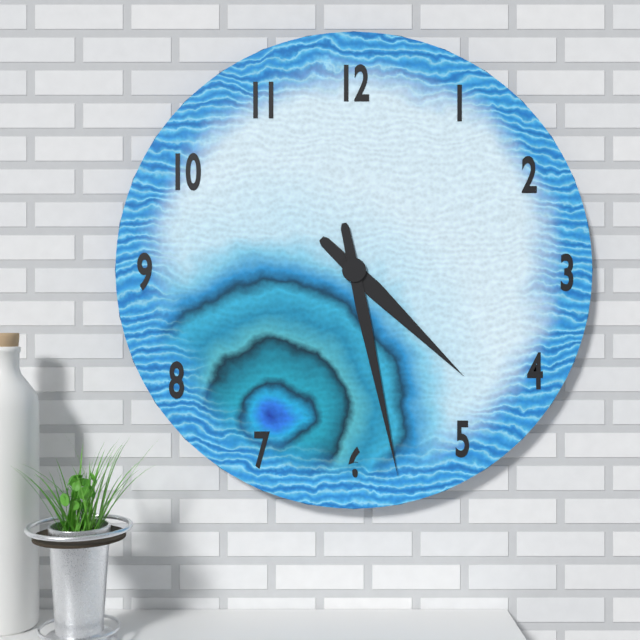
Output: 4h28
